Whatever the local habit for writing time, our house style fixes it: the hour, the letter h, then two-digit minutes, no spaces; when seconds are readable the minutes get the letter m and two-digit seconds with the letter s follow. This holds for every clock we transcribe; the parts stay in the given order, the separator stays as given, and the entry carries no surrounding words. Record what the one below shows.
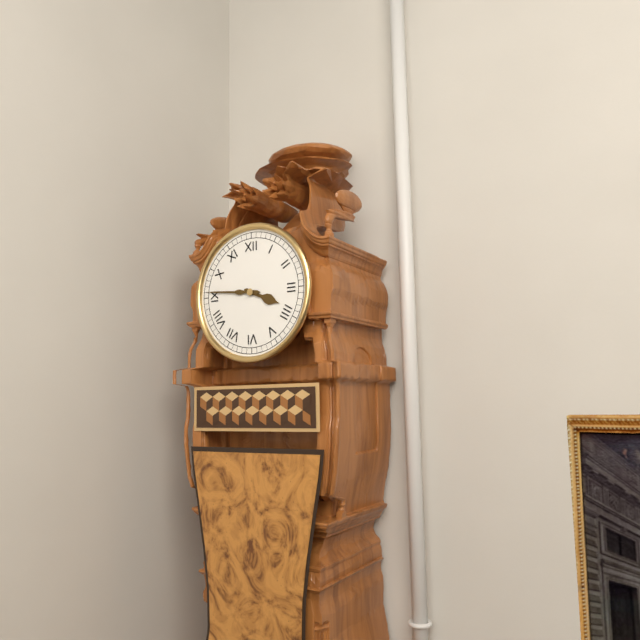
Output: 3h46
